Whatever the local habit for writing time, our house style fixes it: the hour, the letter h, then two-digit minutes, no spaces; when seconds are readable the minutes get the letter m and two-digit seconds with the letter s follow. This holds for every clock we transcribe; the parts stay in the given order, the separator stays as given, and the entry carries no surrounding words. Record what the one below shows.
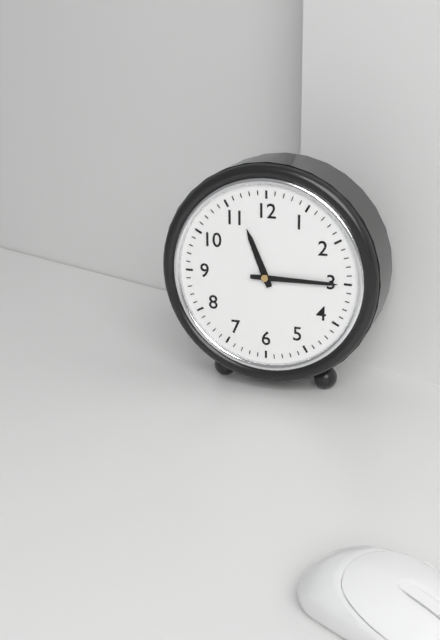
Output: 11h15
